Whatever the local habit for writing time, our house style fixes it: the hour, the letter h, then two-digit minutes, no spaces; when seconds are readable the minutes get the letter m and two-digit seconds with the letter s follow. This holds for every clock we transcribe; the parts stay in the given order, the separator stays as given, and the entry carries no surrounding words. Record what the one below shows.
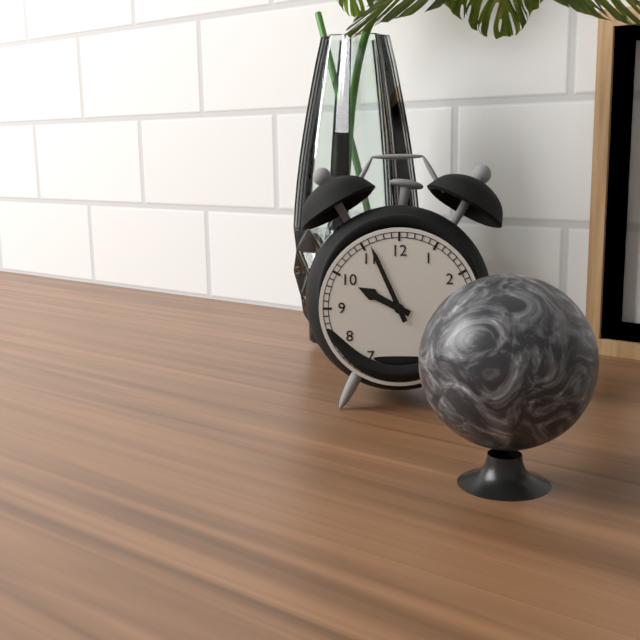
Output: 9h56
